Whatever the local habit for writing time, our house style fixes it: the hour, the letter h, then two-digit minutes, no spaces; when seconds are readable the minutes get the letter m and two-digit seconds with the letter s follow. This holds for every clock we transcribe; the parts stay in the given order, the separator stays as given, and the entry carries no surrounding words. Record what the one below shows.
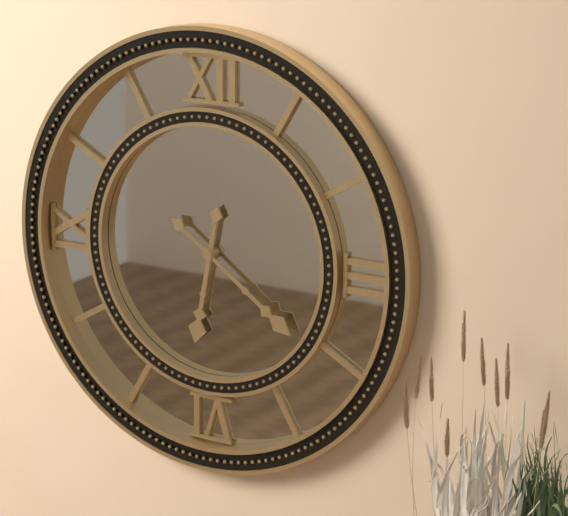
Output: 6h21
